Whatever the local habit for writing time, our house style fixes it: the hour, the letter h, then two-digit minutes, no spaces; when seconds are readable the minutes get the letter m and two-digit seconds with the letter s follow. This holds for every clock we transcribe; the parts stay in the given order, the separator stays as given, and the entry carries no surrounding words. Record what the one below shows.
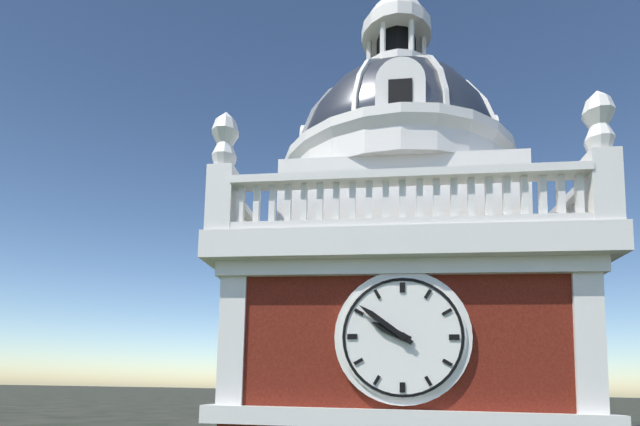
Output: 9h51
